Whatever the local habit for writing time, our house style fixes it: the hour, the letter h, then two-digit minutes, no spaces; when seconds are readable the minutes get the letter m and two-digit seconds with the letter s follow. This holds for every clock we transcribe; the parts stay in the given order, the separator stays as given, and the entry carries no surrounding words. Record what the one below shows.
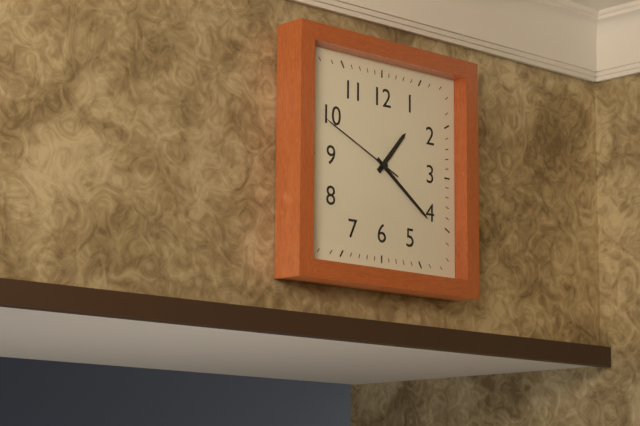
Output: 1h21m49s
